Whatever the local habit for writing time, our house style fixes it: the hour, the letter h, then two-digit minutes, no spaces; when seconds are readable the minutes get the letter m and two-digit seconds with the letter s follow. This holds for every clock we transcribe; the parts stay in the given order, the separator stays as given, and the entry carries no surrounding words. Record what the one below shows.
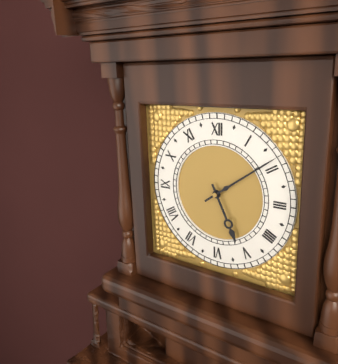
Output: 5h09
